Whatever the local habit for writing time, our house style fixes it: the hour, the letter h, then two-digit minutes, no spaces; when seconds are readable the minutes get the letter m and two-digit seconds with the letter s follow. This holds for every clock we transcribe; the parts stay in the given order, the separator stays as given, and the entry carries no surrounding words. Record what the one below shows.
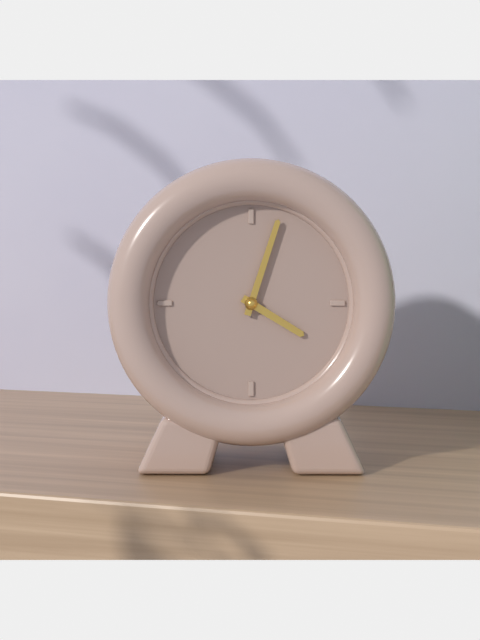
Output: 4h03
